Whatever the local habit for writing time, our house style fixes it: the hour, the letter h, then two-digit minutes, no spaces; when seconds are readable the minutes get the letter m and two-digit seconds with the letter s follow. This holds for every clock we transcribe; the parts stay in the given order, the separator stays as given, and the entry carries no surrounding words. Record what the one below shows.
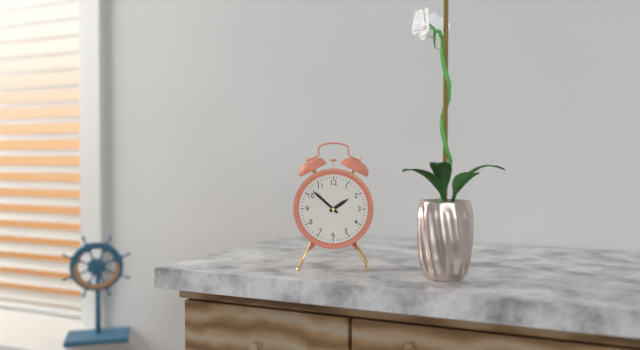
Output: 1h52
